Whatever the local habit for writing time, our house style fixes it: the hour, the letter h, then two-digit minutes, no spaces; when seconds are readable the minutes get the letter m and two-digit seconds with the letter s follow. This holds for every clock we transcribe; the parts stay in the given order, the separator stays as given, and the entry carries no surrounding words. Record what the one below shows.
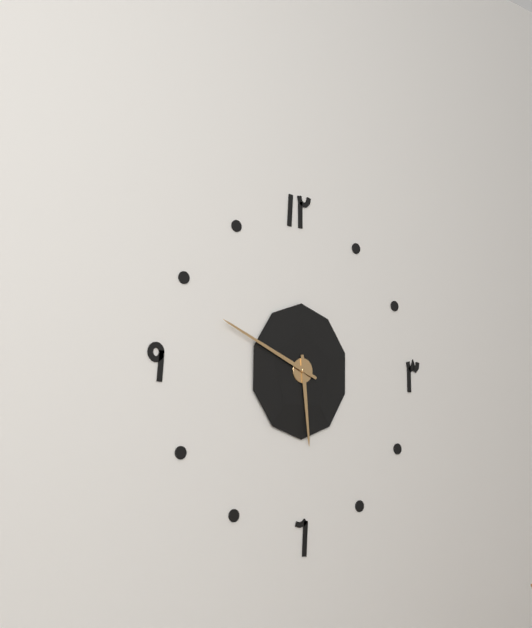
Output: 5h49
